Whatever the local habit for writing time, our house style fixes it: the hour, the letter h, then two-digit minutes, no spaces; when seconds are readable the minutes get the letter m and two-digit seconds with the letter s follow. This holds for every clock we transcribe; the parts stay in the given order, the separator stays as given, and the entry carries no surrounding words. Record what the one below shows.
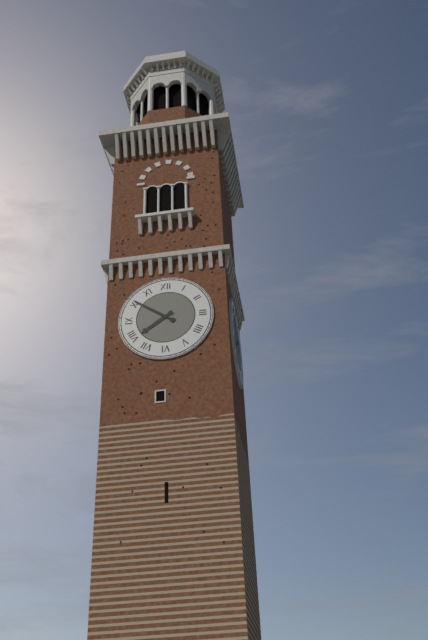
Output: 7h51
